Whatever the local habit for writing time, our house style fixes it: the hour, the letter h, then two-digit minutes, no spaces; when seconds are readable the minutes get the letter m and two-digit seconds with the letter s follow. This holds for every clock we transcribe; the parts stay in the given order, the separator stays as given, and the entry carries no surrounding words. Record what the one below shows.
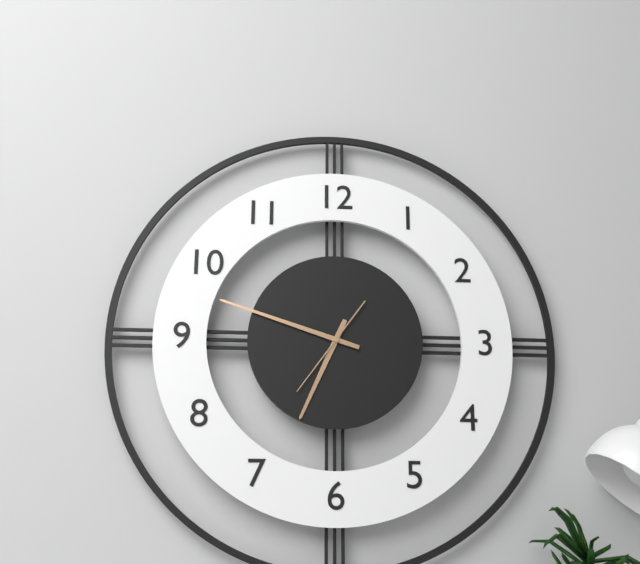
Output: 6h48m36s
